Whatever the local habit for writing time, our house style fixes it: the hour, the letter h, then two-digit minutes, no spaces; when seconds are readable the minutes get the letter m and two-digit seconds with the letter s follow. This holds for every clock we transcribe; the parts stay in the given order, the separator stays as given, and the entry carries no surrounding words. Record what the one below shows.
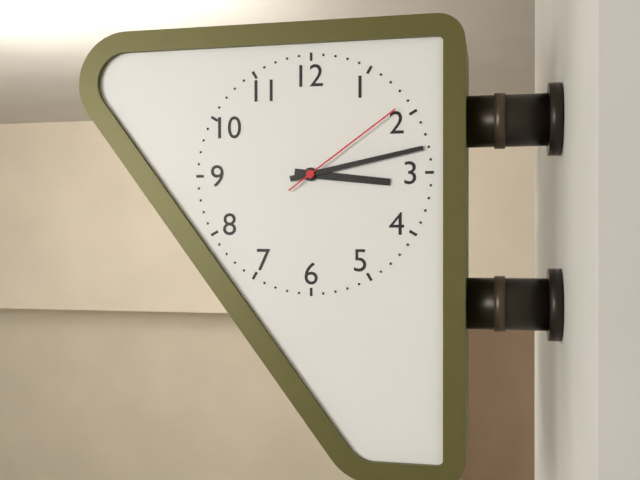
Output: 3h13m09s
